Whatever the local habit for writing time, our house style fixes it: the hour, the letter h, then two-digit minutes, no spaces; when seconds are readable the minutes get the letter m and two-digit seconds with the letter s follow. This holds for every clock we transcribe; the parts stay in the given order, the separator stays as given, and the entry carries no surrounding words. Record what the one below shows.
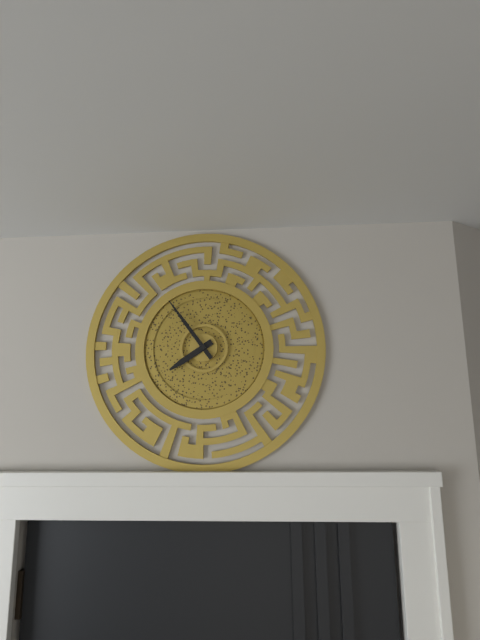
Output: 7h54
